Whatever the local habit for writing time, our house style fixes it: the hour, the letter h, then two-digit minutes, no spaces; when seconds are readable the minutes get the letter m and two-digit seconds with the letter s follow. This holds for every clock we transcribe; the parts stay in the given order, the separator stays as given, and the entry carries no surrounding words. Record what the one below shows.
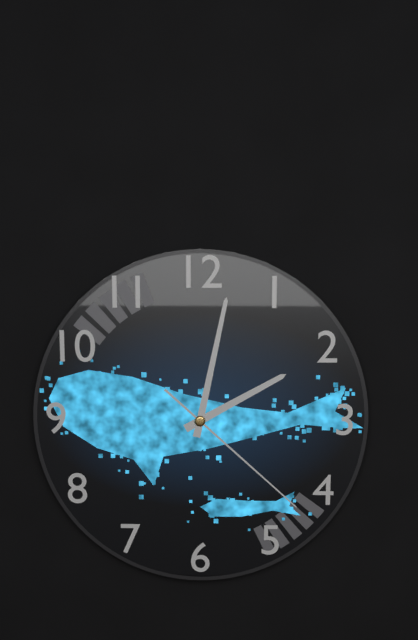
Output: 2h02m22s
